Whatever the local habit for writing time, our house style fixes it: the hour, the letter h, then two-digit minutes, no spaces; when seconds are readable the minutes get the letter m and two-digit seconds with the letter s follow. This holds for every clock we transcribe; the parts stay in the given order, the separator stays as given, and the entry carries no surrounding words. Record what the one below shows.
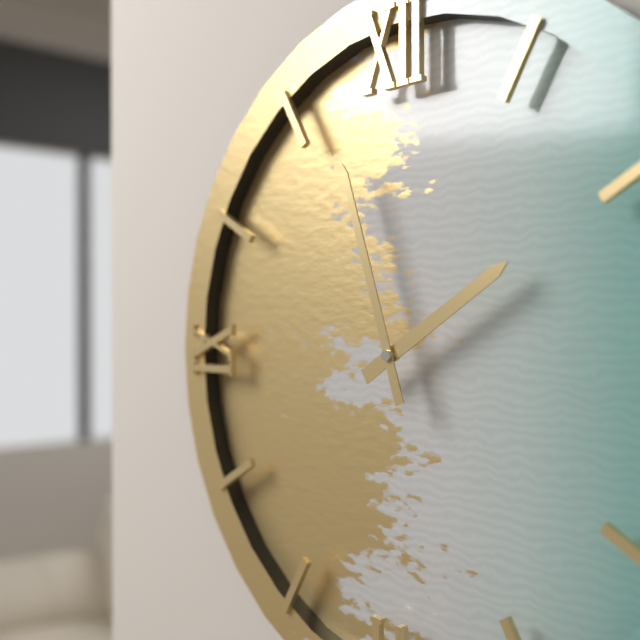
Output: 1h57
